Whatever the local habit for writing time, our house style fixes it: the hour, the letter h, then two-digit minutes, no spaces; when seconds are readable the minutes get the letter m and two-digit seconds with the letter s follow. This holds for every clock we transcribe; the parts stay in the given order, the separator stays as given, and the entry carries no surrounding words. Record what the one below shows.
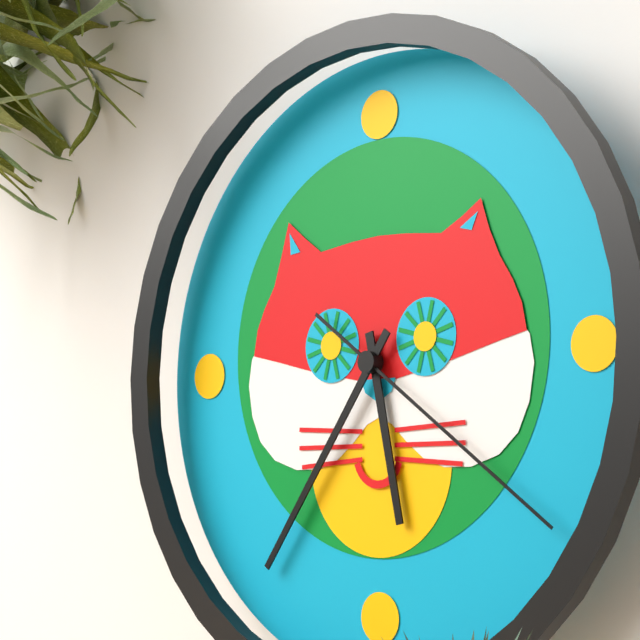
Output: 5h36m21s
